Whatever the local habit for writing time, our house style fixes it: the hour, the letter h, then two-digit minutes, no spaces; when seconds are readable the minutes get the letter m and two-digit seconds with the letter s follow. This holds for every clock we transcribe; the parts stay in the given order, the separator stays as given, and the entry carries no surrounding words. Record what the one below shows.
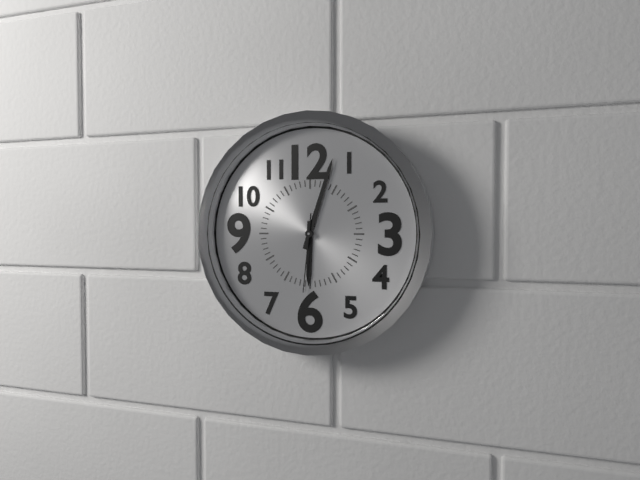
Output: 6h03m31s
